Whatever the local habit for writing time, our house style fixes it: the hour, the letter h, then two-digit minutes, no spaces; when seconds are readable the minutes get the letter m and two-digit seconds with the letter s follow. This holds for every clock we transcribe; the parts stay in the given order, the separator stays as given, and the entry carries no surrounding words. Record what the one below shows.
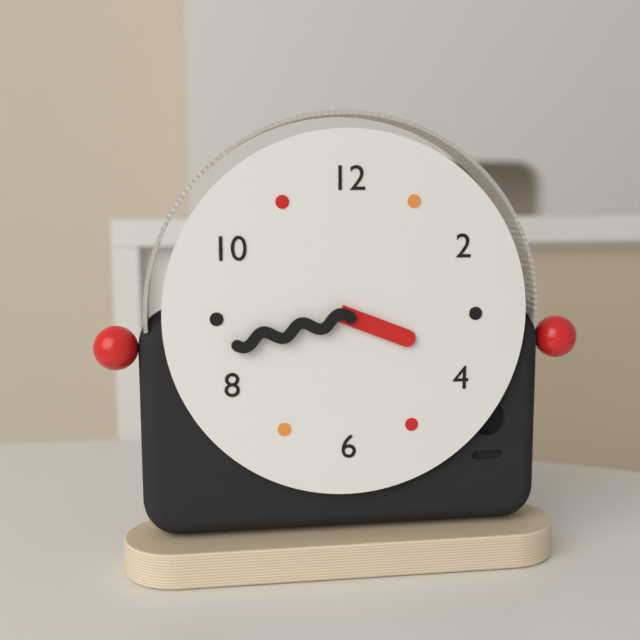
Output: 3h43
